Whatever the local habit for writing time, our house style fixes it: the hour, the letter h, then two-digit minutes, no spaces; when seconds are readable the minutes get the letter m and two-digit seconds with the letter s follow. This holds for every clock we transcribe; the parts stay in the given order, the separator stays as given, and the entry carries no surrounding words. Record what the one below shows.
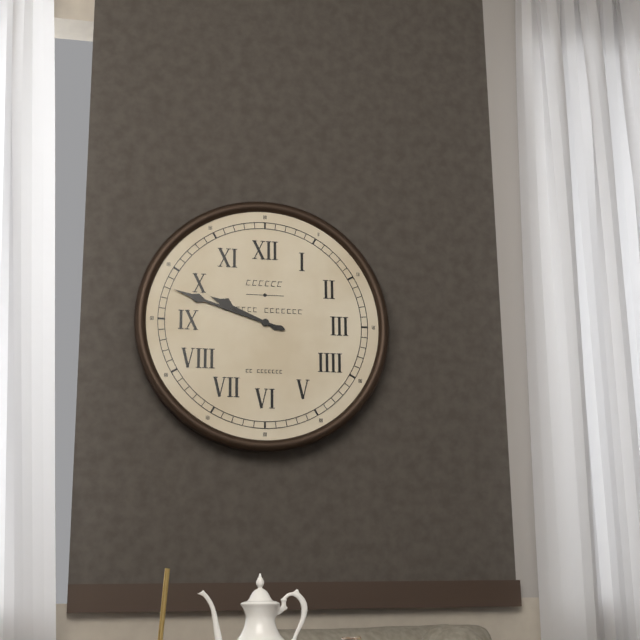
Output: 9h48
